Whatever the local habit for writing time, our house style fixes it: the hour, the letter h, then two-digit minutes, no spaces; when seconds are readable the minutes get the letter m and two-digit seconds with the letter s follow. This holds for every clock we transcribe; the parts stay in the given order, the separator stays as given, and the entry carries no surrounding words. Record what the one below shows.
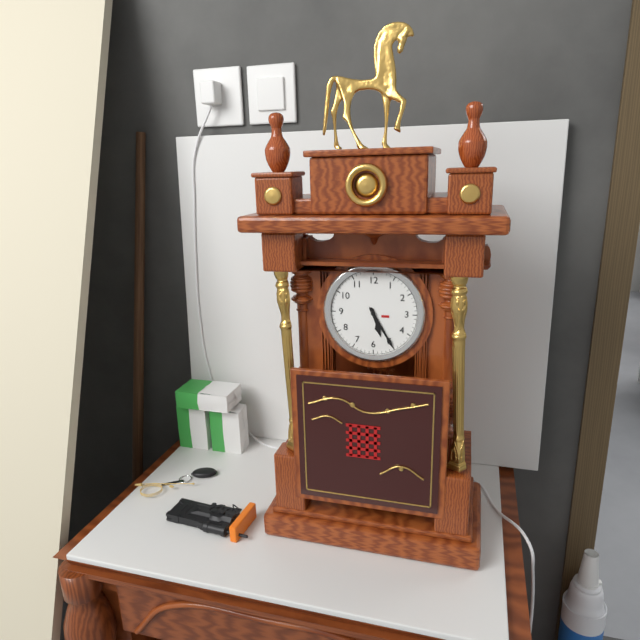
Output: 5h25
